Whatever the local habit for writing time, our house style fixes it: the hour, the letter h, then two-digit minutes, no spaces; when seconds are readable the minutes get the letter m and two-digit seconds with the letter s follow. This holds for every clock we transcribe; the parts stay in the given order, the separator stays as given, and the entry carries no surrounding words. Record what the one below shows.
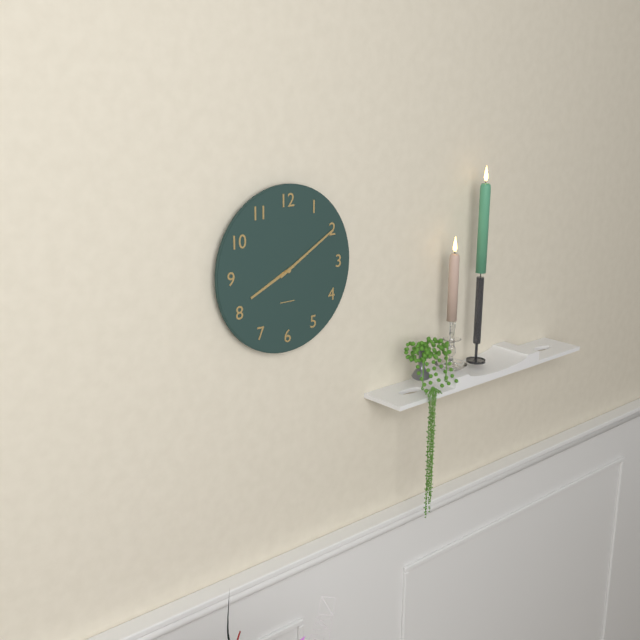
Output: 8h10
